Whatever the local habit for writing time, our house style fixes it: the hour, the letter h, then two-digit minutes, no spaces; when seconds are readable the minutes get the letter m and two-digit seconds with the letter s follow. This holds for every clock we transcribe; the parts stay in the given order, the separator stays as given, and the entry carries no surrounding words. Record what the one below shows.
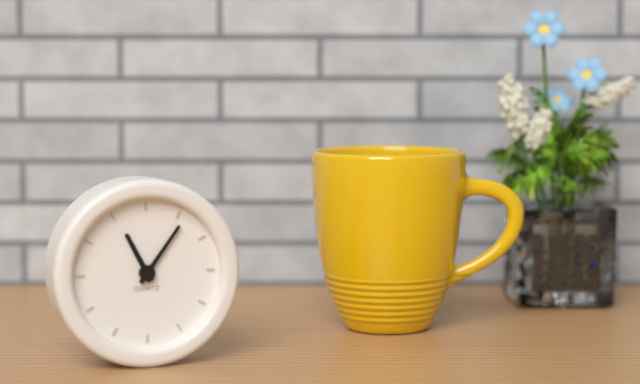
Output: 11h06
